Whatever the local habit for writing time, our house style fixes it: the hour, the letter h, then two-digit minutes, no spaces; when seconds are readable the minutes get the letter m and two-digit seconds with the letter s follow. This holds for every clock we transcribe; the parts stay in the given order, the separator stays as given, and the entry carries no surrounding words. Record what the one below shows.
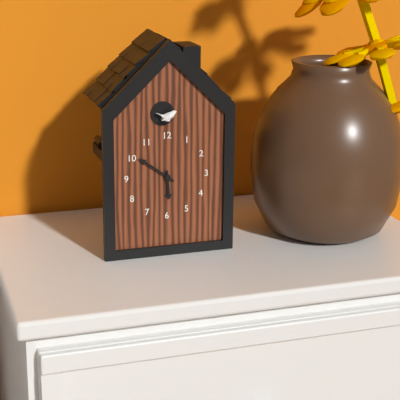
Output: 5h51
